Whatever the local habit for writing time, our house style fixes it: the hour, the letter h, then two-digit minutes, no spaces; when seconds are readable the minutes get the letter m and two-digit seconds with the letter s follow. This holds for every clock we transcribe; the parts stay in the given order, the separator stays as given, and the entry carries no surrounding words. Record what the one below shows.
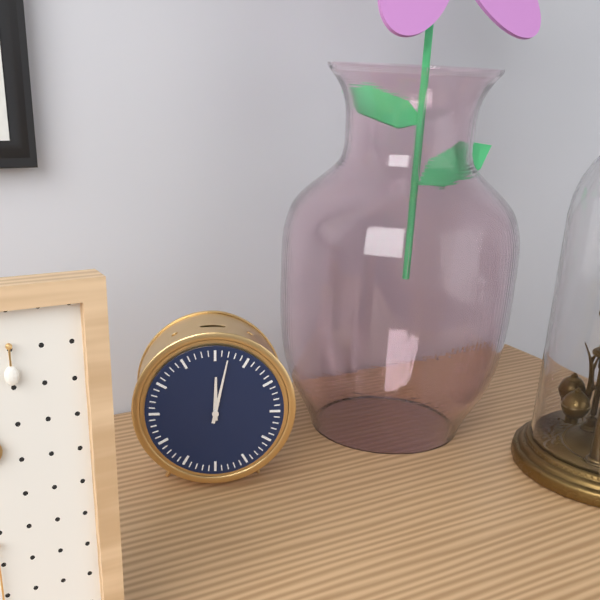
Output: 12h02
